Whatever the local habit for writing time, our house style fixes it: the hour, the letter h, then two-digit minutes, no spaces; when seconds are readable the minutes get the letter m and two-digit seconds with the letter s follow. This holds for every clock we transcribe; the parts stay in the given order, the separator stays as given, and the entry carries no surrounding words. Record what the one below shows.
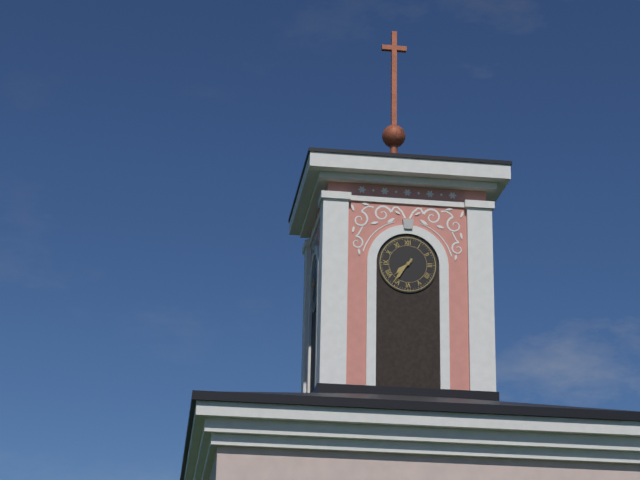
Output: 7h36
